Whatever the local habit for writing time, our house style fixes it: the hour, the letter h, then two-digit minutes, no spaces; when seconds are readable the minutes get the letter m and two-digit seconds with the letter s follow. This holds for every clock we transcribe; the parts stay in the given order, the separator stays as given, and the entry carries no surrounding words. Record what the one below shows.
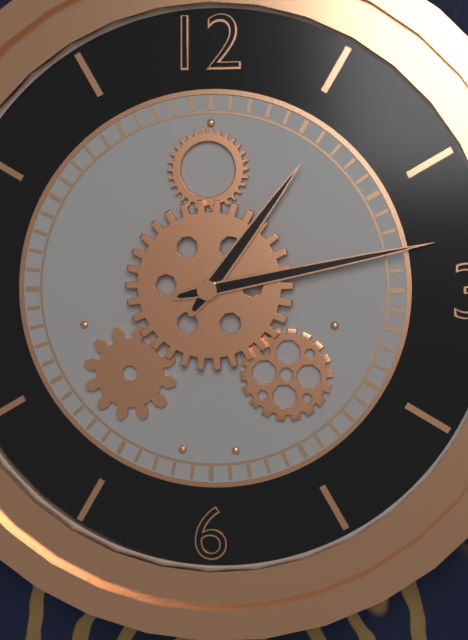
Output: 1h13
